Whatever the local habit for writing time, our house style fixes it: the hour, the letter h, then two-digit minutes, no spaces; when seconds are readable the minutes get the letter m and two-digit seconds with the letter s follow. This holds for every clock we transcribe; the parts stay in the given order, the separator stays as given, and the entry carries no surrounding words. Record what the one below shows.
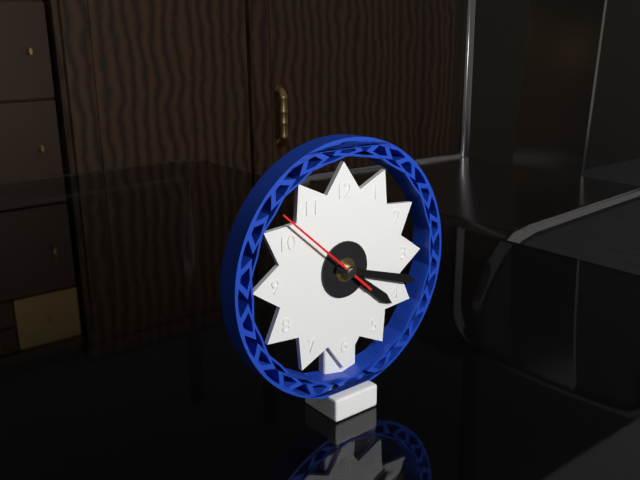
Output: 4h18m52s
